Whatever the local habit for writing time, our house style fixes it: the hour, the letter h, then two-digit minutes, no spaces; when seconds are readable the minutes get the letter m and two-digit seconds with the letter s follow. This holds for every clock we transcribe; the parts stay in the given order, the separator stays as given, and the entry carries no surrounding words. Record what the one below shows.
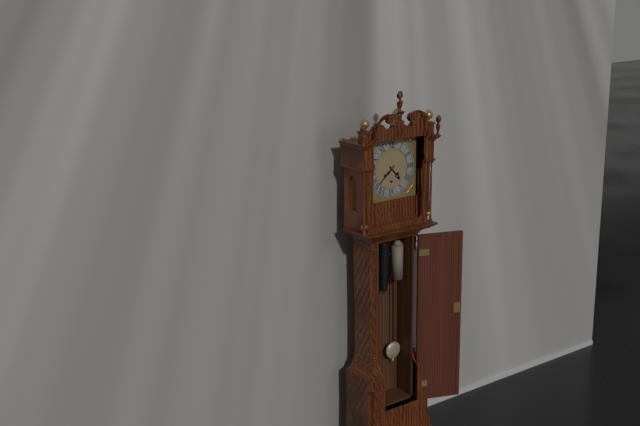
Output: 4h38
